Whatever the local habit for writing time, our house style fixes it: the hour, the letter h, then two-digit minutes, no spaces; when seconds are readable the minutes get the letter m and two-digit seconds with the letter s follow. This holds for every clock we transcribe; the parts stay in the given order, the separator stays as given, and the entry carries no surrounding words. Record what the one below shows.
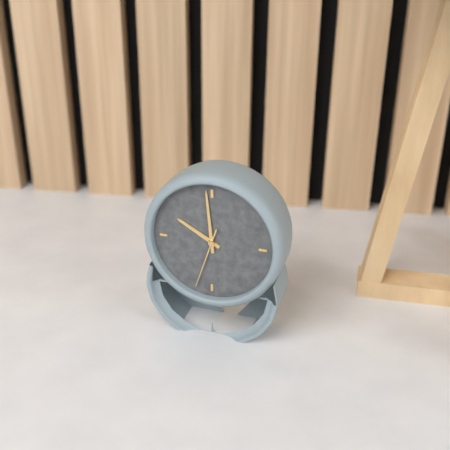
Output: 9h59m33s
